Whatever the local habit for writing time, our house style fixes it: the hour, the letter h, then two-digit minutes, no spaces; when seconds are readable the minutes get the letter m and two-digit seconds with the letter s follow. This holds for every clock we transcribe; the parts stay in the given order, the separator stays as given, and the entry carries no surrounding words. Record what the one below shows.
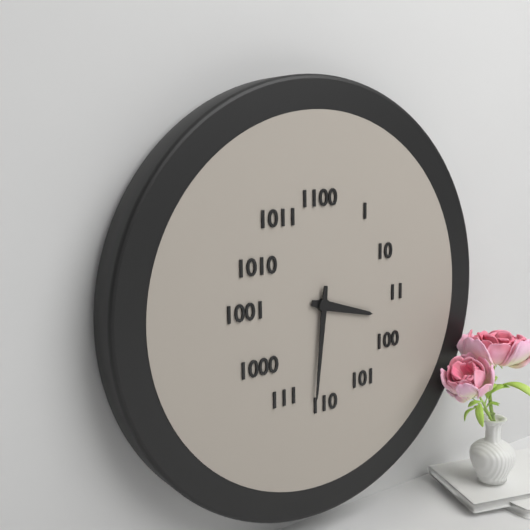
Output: 3h31
